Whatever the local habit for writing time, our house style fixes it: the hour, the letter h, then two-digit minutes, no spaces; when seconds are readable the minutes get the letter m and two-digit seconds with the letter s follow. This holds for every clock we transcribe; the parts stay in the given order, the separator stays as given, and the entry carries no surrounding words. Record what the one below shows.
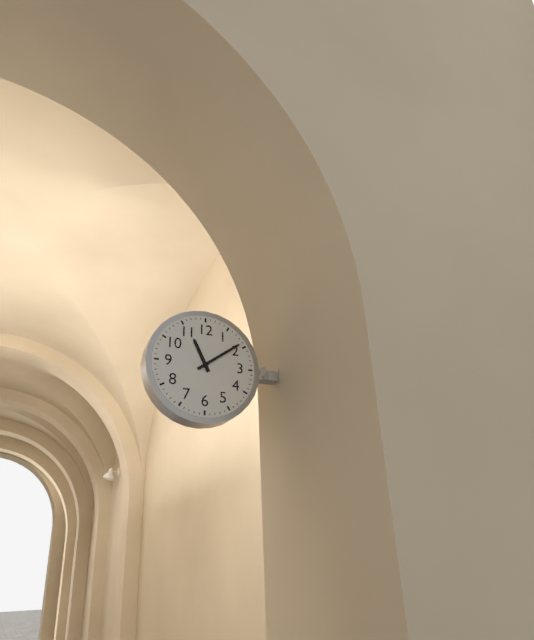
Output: 11h09
